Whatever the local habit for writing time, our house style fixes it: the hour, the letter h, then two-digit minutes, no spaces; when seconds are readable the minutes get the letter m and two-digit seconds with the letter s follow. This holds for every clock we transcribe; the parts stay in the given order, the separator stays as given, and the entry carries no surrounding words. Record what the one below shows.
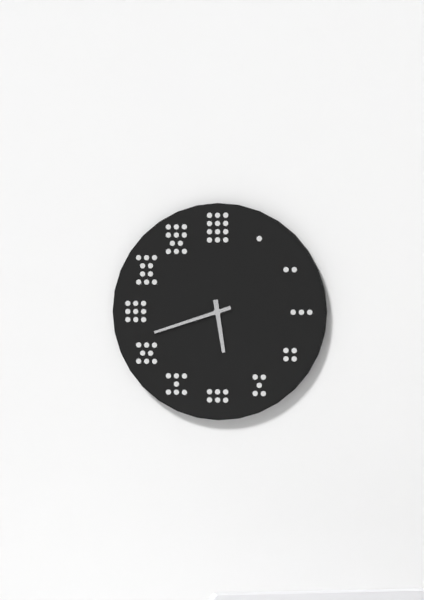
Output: 5h42
